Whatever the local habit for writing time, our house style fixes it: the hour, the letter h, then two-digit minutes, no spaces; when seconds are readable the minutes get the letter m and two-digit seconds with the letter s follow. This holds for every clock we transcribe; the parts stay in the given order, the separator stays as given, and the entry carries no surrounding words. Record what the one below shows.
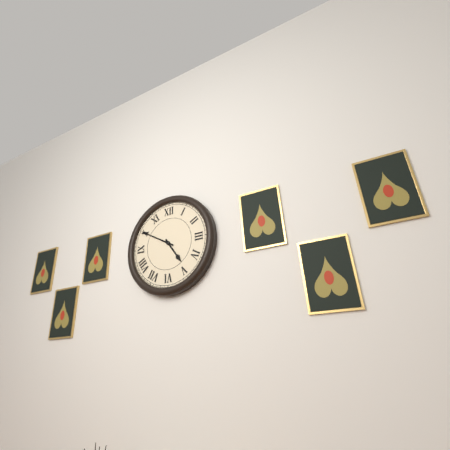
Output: 4h50
